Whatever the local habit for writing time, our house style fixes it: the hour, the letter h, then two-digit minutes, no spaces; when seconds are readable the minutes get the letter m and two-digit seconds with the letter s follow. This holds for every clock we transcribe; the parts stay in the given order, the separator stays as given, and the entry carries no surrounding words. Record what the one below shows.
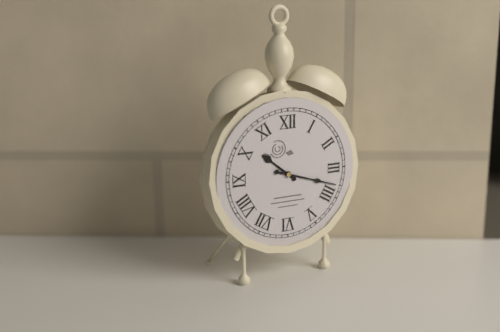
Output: 10h18
